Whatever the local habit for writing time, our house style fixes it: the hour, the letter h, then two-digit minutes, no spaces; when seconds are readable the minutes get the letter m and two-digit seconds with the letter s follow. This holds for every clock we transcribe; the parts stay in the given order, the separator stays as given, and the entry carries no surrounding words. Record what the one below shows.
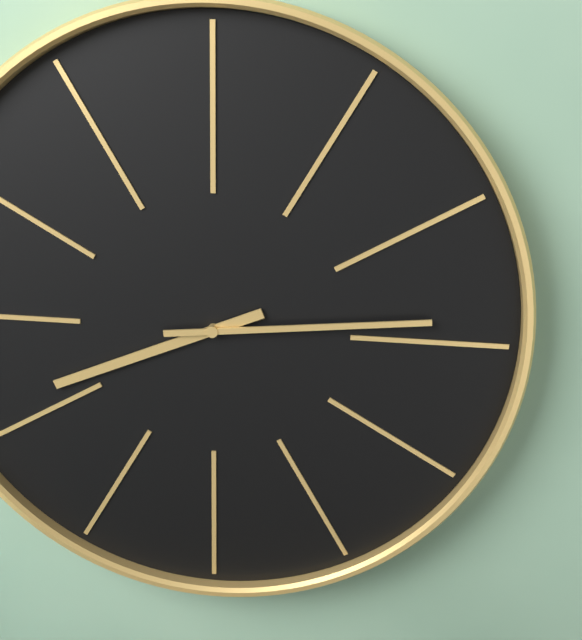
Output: 8h14
